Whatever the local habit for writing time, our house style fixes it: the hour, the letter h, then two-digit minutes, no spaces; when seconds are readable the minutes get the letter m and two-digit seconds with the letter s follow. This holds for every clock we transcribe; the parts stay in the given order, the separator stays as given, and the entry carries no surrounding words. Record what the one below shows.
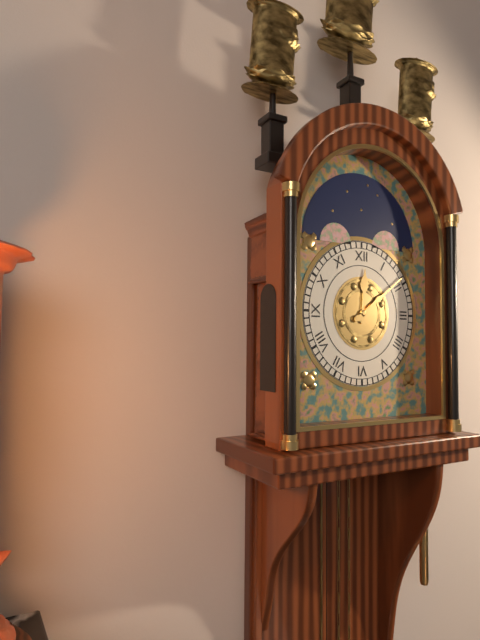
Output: 12h09
